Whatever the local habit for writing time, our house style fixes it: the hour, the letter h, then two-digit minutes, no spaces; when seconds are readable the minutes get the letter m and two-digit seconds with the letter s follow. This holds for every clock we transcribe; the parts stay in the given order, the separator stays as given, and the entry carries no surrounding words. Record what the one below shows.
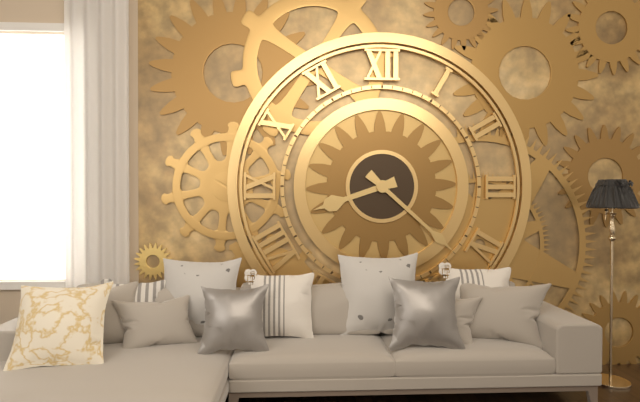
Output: 8h22
